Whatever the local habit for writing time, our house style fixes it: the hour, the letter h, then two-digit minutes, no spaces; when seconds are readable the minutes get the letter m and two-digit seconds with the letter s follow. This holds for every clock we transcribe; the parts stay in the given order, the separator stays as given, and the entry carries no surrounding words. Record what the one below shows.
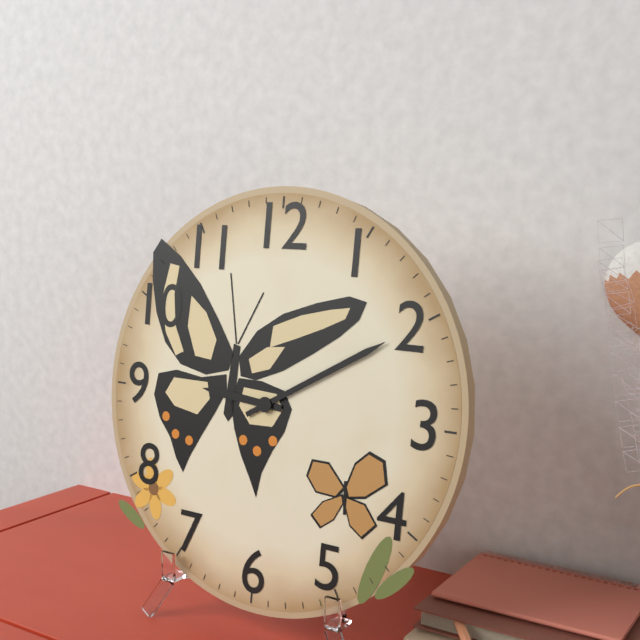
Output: 9h10
